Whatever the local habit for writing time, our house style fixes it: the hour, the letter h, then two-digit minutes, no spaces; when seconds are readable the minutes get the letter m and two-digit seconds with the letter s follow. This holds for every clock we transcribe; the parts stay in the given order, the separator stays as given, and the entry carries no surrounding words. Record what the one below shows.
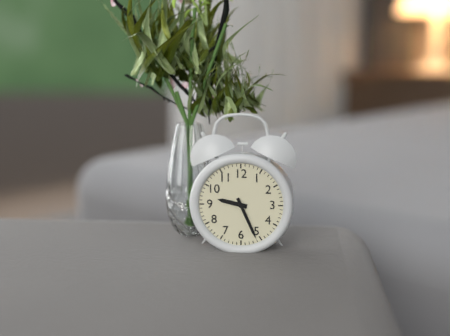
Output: 9h26
